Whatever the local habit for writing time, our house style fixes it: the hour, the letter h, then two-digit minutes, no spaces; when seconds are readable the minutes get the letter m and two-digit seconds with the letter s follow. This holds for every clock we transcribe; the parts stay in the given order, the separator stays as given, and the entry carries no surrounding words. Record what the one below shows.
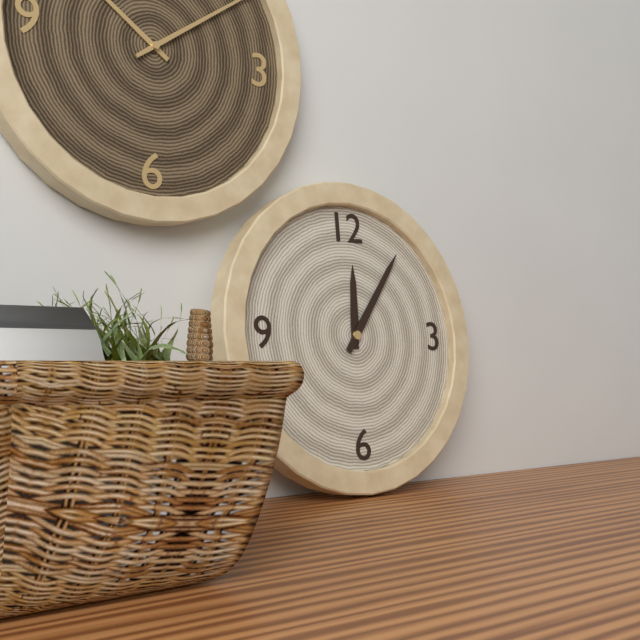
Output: 12h06
